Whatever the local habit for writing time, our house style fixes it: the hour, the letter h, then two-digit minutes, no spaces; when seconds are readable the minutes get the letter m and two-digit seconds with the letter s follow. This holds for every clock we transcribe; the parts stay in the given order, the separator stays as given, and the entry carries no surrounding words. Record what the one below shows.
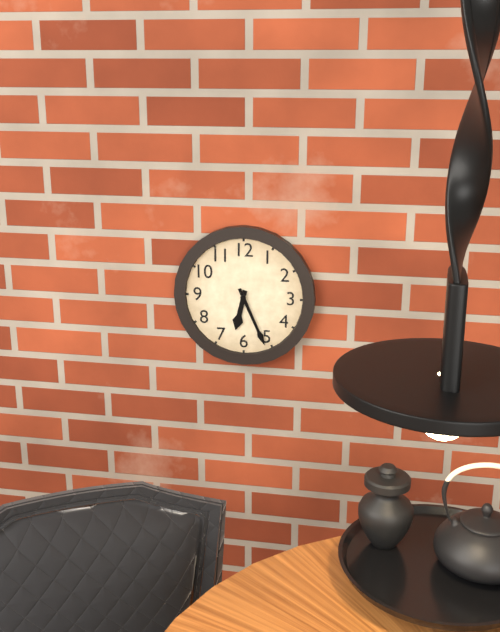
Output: 6h26
